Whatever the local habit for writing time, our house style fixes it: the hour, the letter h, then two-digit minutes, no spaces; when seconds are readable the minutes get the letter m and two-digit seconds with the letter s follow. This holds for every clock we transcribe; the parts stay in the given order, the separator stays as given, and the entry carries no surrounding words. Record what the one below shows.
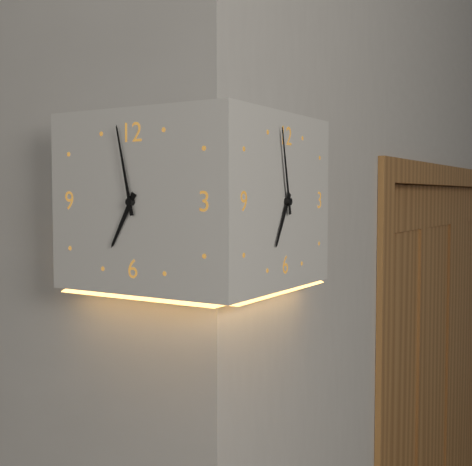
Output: 6h58
